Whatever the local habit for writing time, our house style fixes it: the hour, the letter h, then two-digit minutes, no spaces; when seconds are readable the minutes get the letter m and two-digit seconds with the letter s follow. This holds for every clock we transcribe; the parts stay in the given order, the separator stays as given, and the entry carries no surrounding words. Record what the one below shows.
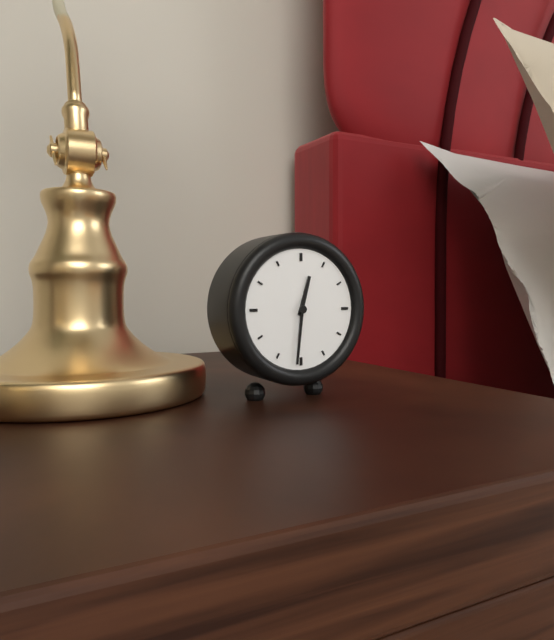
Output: 12h31
